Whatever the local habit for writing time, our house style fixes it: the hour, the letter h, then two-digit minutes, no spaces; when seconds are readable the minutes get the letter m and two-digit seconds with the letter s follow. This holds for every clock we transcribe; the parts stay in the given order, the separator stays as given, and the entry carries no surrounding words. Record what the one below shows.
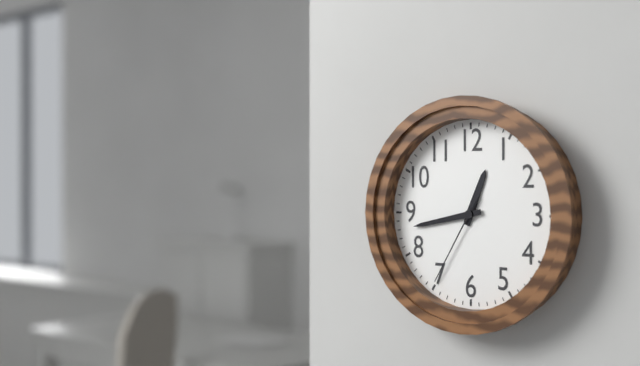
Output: 12h43m35s
